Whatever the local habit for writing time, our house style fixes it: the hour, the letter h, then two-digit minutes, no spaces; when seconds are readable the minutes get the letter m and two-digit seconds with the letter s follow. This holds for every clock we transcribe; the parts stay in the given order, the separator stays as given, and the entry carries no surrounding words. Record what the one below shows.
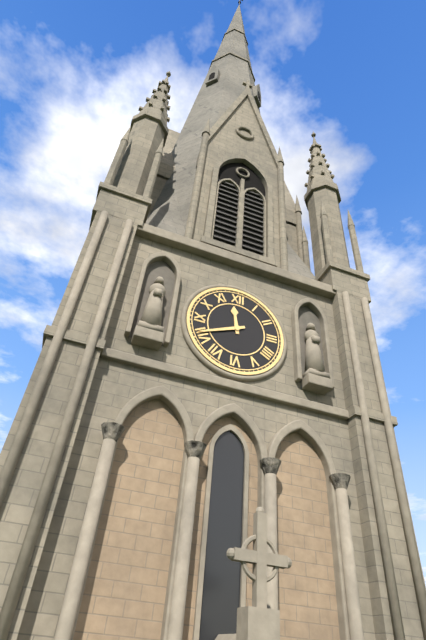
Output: 11h41
